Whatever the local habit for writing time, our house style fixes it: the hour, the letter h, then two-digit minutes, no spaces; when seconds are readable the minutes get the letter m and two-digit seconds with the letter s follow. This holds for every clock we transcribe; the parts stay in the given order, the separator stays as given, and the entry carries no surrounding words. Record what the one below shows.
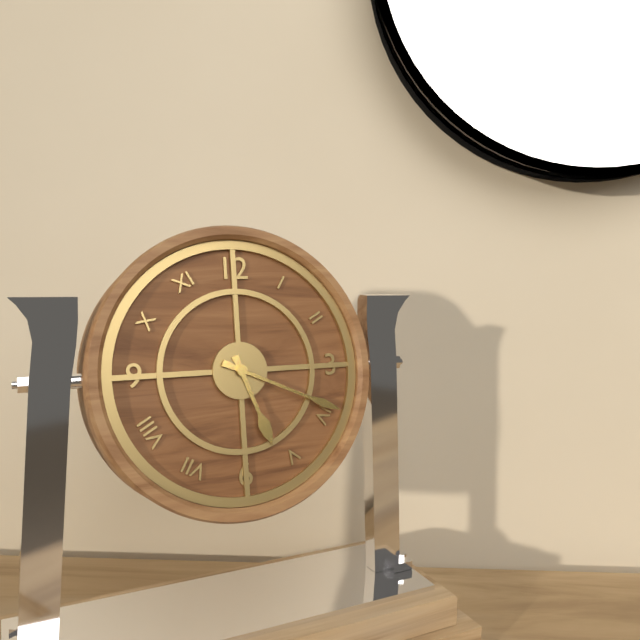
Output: 5h19
